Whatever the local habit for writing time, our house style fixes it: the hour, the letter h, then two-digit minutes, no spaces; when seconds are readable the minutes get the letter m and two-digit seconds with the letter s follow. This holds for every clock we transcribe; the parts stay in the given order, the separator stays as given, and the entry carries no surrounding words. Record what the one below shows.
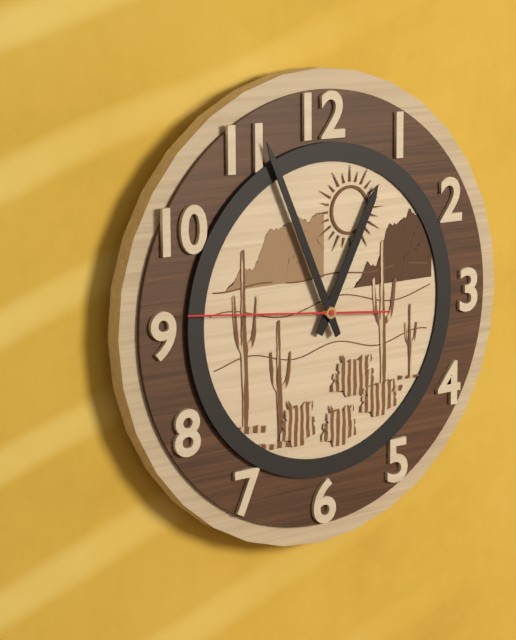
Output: 12h56m46s
